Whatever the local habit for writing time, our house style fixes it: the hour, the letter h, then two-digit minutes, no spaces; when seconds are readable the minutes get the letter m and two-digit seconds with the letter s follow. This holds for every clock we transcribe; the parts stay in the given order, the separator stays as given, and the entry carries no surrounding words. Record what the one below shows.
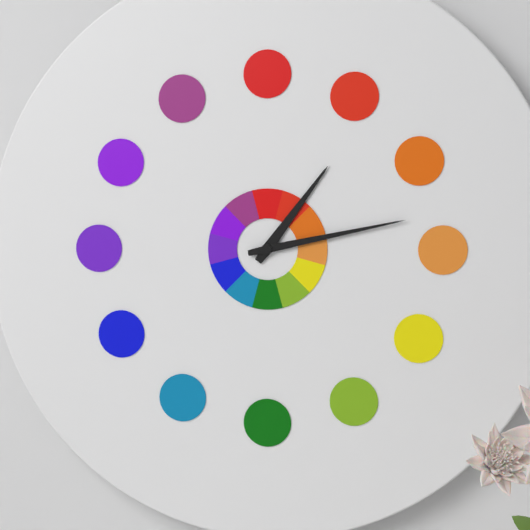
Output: 1h13
